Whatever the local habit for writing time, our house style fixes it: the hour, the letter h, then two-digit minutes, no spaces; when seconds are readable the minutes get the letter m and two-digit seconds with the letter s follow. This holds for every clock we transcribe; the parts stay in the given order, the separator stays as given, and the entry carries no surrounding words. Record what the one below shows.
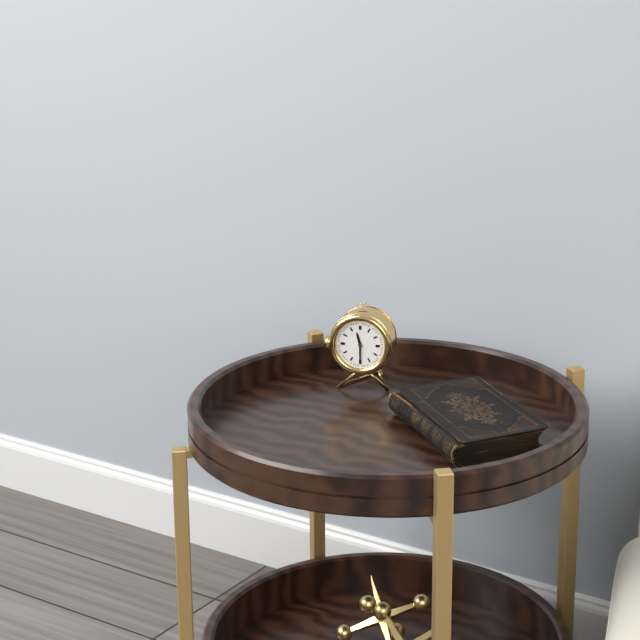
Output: 11h30
